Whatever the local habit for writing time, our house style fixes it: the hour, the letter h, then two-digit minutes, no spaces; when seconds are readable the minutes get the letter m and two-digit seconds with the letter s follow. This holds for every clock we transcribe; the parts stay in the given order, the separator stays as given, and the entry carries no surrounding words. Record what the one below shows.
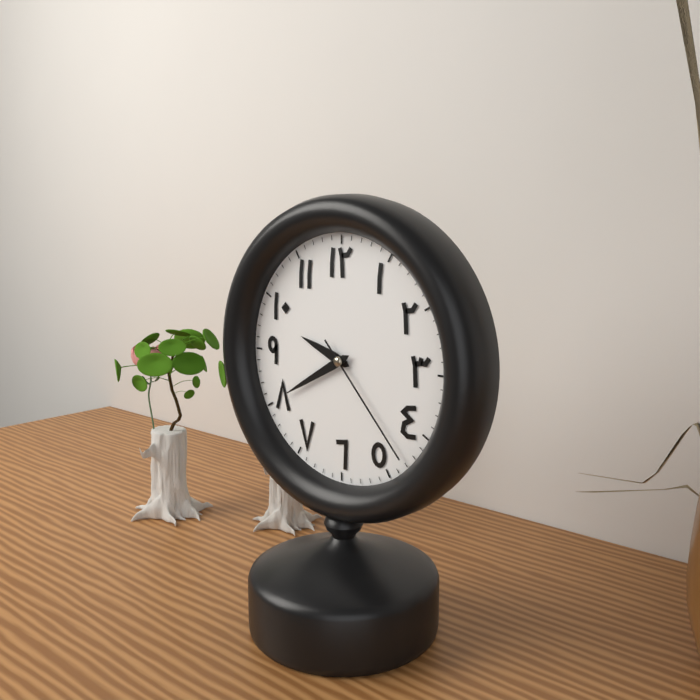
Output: 9h40m23s
